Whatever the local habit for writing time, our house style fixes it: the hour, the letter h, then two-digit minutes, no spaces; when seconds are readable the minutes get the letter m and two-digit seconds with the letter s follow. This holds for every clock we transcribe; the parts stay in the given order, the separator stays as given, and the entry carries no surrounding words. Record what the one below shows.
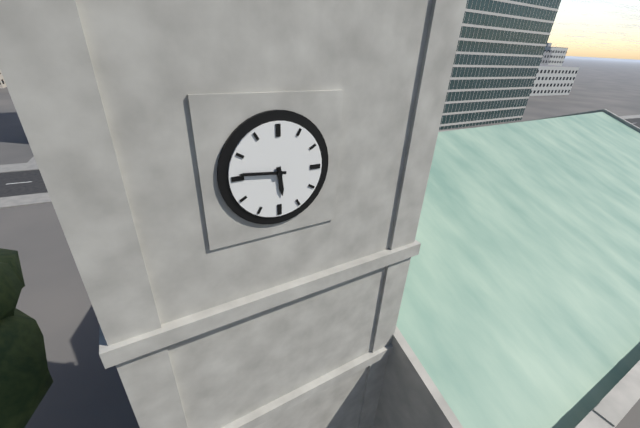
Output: 5h46
